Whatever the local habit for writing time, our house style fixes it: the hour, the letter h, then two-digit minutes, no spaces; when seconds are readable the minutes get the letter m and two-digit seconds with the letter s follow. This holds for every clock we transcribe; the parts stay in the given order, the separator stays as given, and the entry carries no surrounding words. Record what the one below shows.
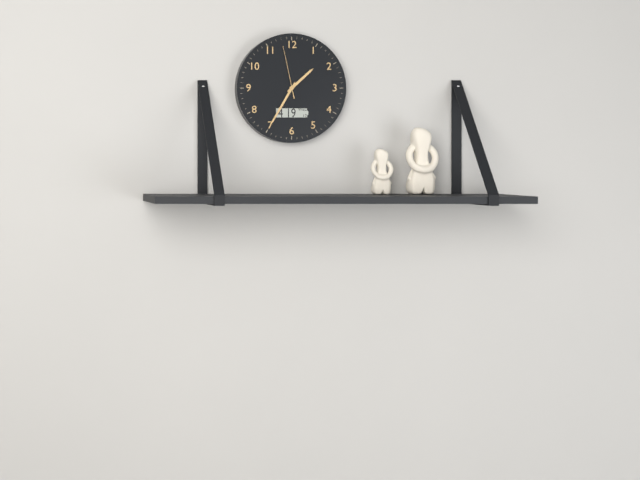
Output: 1h35m58s
